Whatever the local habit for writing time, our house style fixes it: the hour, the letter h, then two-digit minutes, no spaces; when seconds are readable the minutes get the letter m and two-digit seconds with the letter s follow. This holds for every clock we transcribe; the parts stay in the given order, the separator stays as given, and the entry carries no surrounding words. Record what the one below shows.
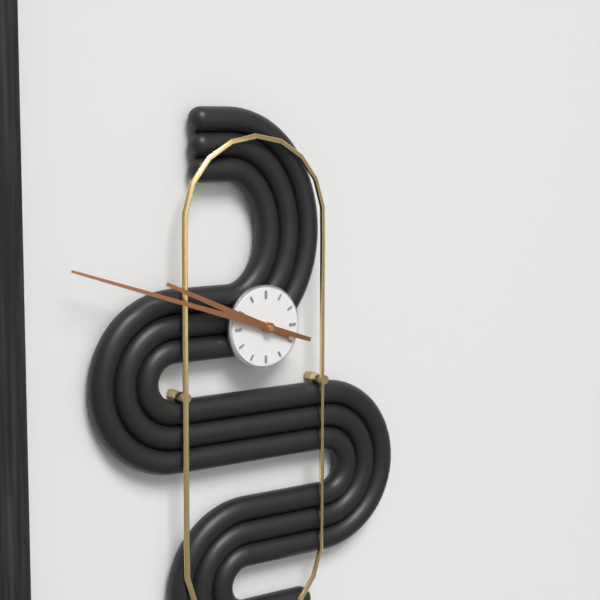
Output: 9h48
